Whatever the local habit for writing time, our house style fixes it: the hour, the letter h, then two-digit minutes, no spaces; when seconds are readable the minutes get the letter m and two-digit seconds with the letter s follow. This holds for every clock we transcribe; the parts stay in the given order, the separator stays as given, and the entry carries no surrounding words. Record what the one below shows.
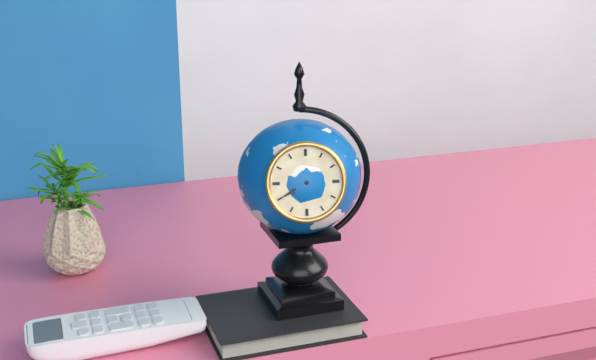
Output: 7h40
